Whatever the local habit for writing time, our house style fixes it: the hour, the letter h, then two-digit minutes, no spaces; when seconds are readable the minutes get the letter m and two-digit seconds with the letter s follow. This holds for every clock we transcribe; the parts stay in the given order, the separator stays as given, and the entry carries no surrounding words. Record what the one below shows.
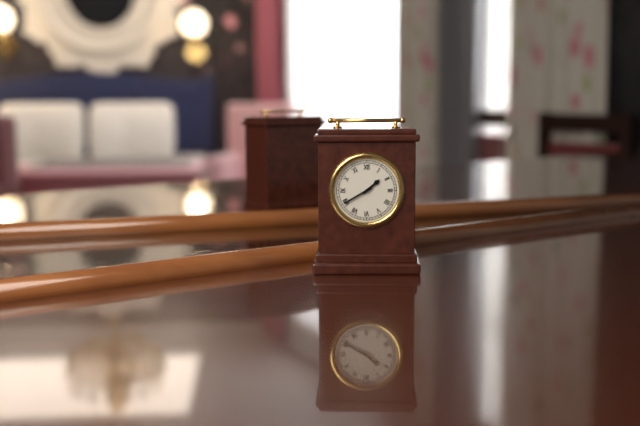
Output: 1h40
